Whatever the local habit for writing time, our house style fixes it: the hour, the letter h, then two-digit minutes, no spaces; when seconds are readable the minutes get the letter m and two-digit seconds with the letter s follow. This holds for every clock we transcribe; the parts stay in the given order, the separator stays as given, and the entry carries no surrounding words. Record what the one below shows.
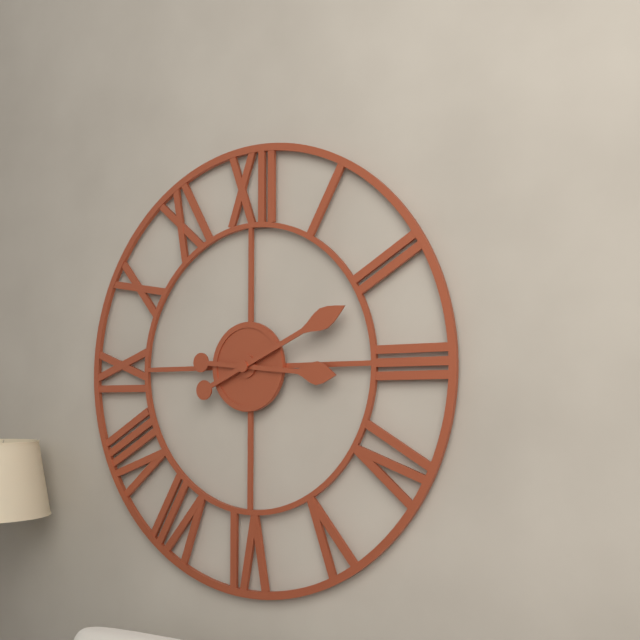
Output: 3h11
